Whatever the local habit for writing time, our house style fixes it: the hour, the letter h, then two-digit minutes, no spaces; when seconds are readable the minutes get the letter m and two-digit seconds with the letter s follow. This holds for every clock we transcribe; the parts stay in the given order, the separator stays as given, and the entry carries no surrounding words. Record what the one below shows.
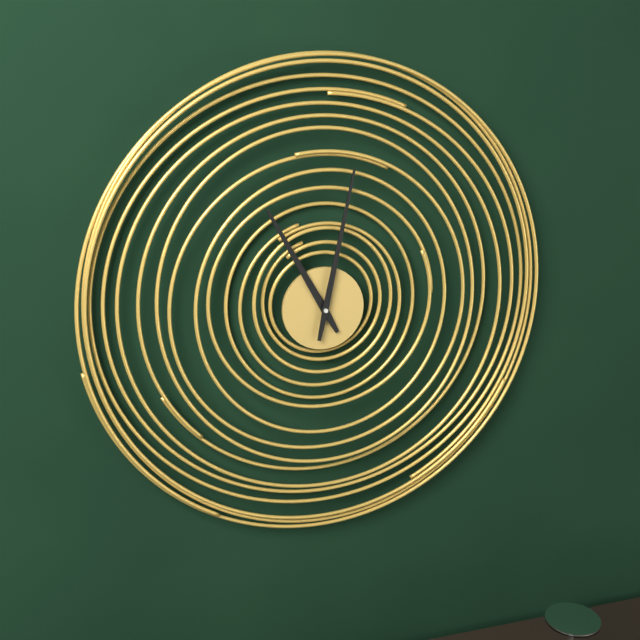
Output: 11h02
